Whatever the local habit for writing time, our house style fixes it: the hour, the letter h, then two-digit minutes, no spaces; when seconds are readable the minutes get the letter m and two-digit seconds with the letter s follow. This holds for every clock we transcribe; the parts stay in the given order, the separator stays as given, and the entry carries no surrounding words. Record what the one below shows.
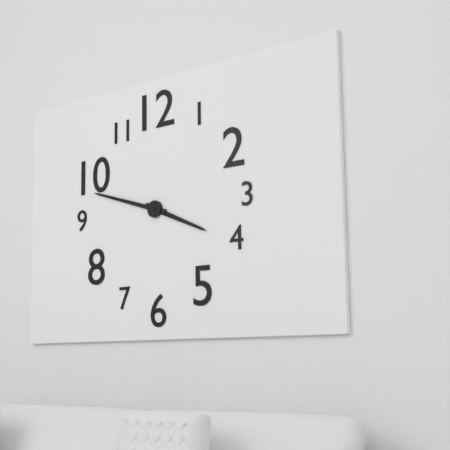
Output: 3h48
